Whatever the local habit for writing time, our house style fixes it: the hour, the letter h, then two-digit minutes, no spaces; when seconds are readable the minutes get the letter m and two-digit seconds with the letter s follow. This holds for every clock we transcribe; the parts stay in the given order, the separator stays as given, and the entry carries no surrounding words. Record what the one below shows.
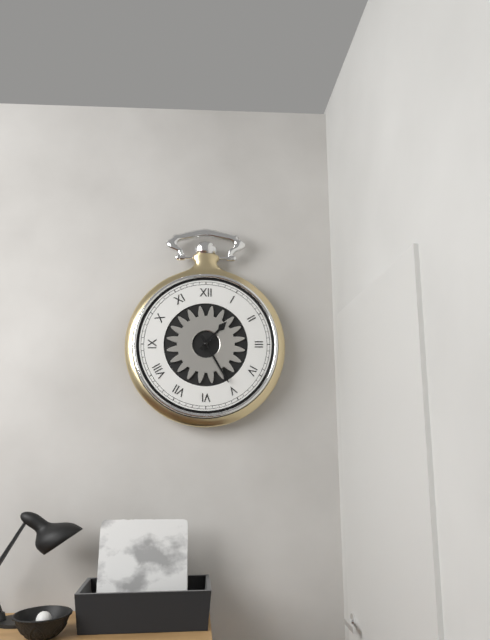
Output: 1h25
